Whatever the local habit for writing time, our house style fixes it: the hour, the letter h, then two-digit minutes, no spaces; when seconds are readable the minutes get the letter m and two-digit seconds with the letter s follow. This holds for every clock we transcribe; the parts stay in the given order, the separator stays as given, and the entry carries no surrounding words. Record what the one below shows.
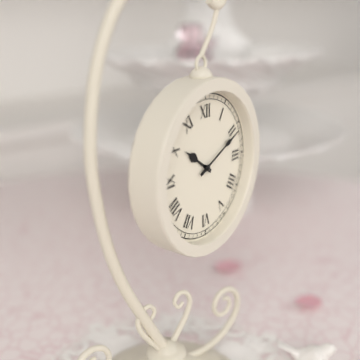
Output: 10h11
